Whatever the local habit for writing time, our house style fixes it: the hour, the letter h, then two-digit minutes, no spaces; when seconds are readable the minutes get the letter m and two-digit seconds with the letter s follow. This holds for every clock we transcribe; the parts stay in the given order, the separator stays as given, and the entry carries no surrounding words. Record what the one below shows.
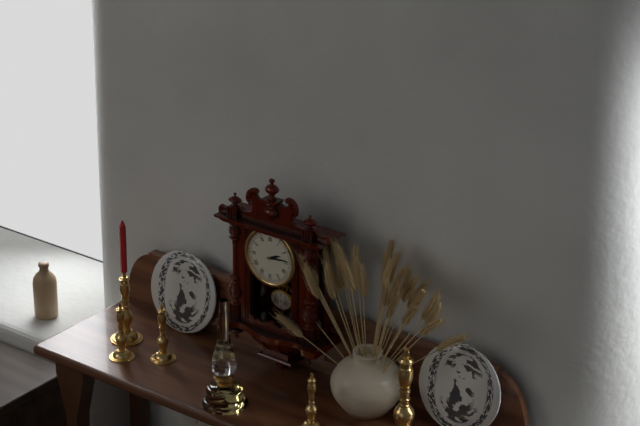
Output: 2h14
